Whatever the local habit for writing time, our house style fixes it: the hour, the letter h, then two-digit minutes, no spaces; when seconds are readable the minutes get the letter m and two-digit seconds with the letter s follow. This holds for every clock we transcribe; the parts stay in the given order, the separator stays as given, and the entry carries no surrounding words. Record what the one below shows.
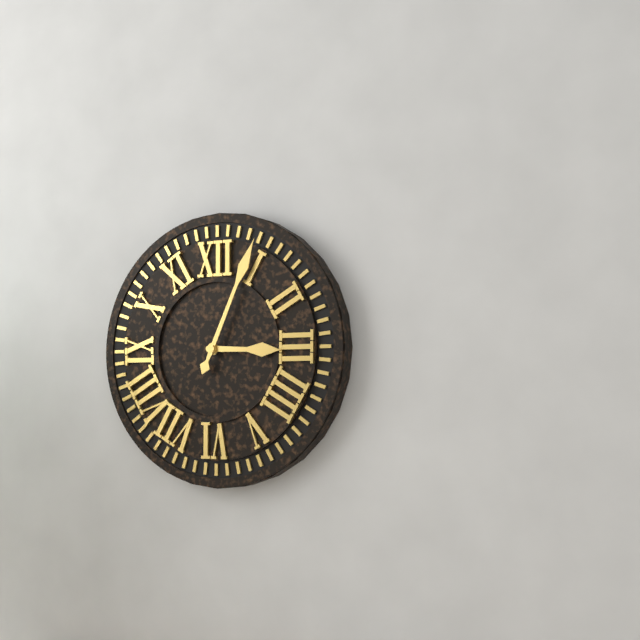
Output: 3h04
